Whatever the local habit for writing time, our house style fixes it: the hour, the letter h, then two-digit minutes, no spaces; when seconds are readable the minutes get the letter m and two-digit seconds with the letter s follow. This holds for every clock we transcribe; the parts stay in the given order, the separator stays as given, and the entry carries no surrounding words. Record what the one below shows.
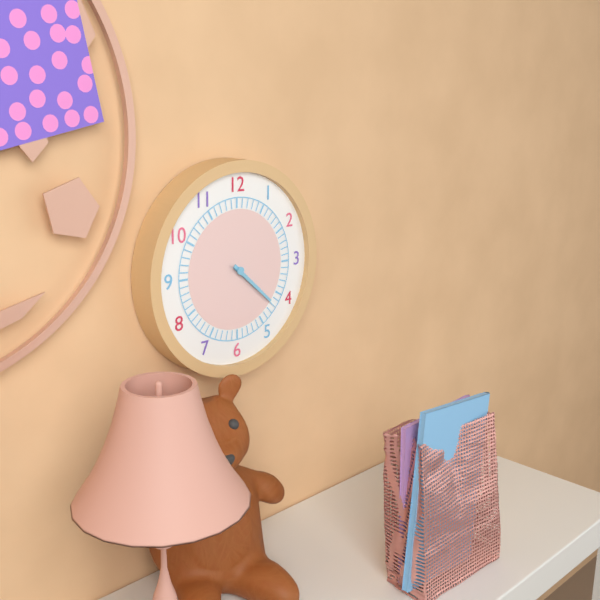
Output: 4h22
